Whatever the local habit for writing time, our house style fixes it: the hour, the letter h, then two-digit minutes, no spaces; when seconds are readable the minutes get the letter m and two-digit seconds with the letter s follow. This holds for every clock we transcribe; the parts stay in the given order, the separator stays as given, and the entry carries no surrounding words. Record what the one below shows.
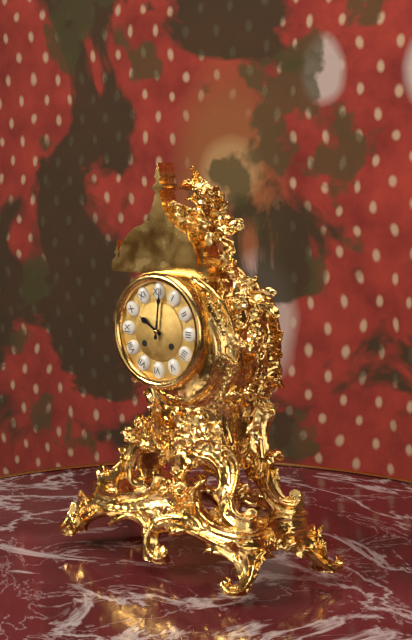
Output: 10h01
